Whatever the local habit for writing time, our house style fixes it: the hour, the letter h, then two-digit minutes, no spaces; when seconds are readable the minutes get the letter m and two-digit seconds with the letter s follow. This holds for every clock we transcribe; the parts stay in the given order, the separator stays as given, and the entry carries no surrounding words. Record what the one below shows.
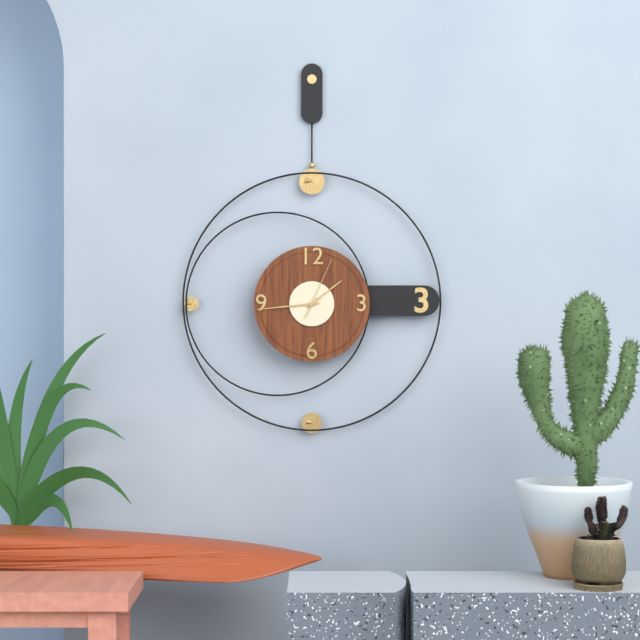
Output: 1h44m04s
